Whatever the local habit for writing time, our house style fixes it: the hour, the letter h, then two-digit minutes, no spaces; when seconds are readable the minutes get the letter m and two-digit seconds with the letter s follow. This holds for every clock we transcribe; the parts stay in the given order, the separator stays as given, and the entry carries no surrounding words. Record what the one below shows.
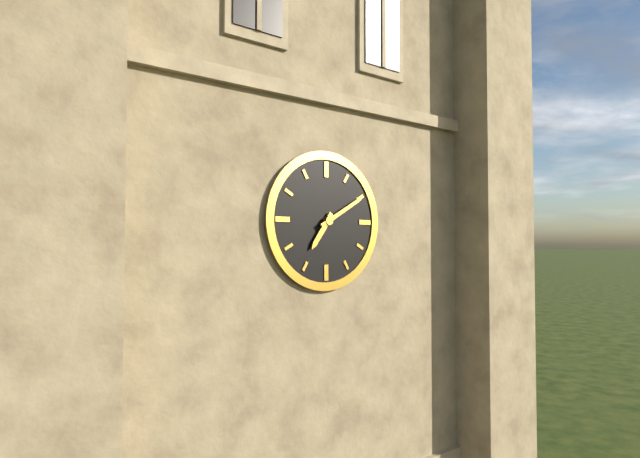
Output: 7h10
